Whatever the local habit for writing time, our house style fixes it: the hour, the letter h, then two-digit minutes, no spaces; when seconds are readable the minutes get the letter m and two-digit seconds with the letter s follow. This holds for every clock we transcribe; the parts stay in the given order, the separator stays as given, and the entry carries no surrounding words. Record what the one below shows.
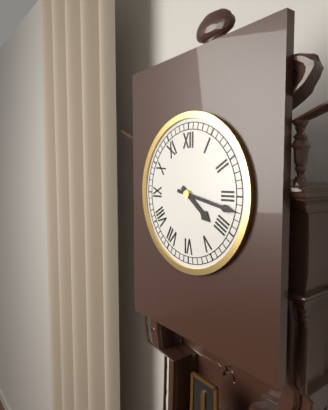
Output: 4h17
